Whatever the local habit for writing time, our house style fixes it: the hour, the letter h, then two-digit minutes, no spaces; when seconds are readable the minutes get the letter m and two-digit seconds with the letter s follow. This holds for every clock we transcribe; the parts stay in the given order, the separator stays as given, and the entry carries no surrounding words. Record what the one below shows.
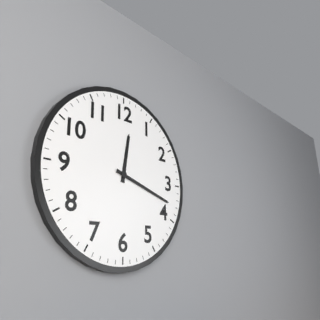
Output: 12h18
